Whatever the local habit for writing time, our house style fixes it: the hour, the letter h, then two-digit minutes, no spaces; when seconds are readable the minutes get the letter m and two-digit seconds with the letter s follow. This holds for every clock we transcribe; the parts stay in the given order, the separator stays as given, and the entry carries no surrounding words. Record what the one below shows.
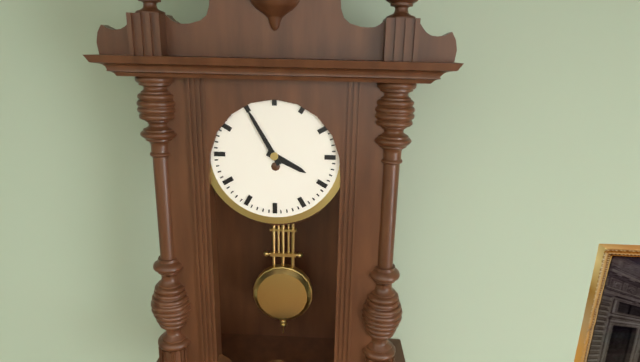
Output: 3h55
